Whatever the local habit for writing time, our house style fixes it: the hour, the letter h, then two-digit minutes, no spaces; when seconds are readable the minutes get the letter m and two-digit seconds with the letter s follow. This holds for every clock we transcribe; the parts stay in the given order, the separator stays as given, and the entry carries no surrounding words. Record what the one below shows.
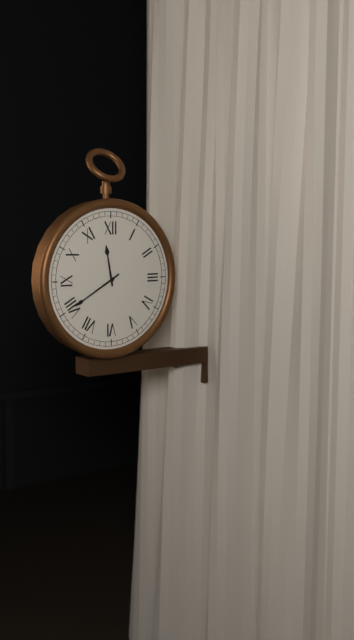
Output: 11h40
